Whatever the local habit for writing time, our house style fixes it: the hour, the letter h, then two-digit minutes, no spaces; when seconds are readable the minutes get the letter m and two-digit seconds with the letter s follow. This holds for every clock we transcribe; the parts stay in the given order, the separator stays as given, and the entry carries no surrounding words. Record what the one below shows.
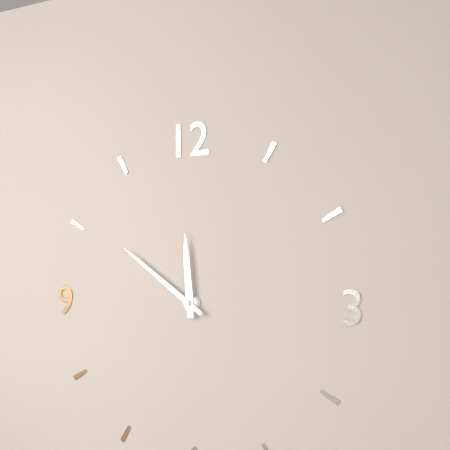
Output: 11h51
